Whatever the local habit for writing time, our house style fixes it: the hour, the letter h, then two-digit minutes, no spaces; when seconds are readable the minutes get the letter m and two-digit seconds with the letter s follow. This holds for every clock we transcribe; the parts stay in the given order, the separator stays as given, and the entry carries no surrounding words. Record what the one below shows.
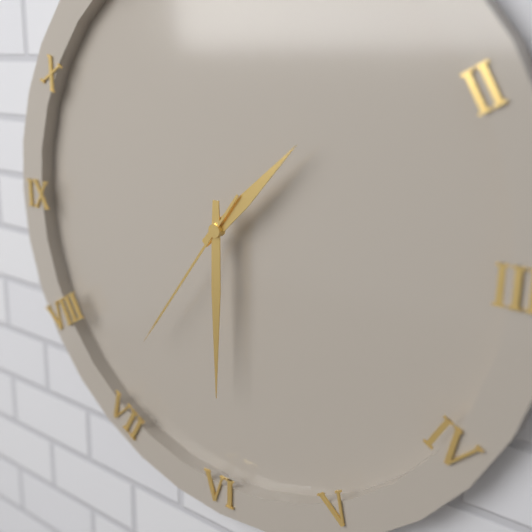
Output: 1h30m36s
